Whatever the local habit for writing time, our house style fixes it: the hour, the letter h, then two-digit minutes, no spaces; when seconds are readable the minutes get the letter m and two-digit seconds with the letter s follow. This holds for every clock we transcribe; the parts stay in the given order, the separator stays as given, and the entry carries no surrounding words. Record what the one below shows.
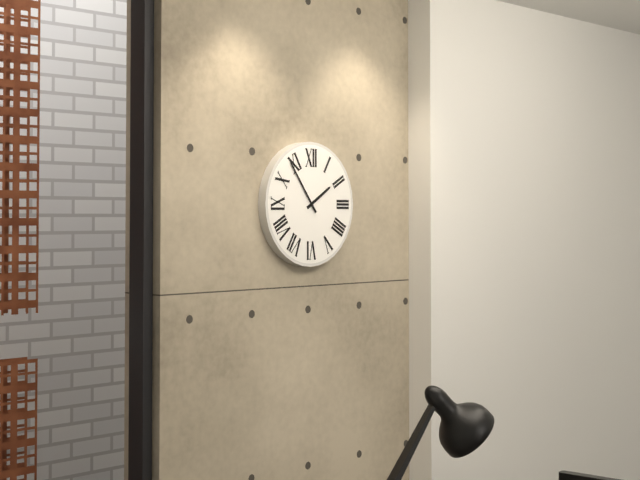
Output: 1h54
